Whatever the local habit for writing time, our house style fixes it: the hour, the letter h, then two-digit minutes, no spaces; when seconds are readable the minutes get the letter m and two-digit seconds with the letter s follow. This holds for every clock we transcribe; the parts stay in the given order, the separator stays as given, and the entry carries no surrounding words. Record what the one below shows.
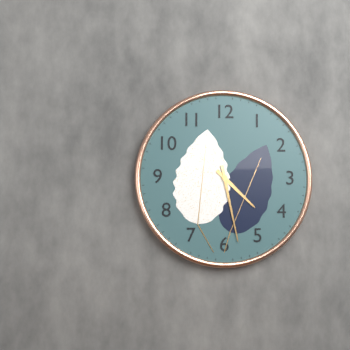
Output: 4h28
